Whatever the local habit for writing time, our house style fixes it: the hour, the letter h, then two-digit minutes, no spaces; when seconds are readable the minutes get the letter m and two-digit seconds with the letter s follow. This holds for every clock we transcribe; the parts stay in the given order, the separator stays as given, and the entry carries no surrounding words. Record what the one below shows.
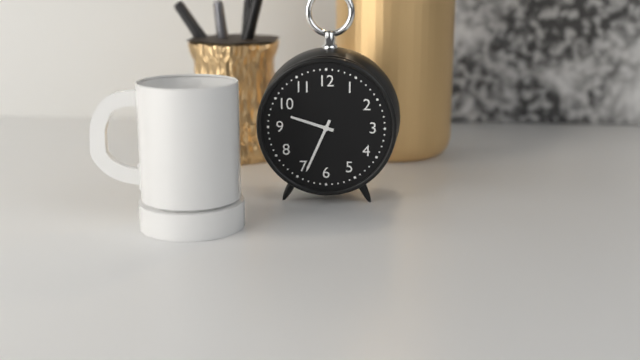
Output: 9h34
